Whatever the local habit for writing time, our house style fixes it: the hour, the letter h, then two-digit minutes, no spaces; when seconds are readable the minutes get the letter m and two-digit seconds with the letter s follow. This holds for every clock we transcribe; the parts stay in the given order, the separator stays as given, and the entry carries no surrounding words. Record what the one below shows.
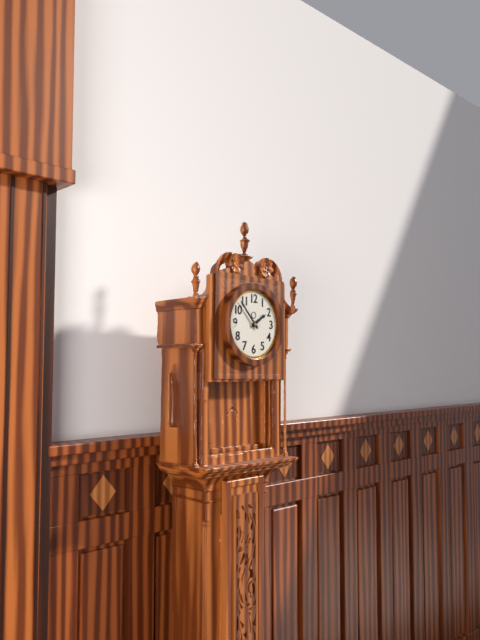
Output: 1h53
